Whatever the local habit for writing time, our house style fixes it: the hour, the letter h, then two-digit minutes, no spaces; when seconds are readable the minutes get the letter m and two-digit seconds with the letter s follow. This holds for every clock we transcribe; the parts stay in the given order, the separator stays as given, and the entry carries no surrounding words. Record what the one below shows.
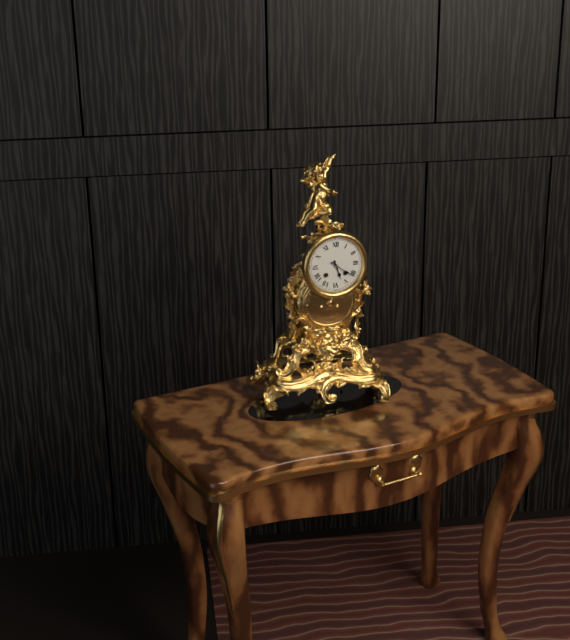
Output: 5h21
